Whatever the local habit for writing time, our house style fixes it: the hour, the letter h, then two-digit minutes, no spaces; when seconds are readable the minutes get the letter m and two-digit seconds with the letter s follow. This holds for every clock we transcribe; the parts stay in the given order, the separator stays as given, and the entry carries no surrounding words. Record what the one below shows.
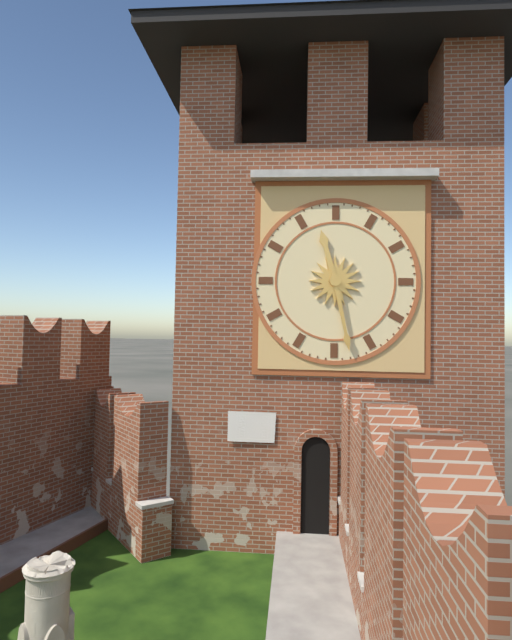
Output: 11h28
